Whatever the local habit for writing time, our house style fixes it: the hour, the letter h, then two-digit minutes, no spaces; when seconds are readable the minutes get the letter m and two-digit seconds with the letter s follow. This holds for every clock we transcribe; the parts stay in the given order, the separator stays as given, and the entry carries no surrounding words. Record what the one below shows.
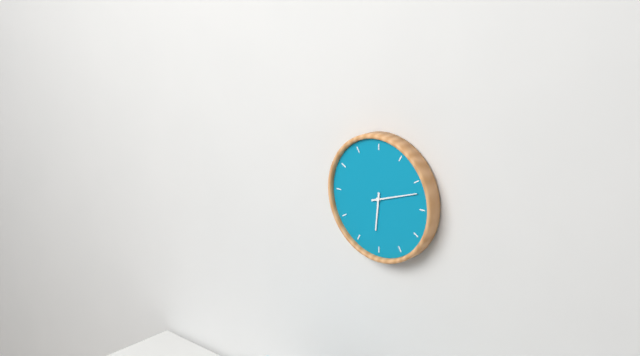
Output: 6h12
